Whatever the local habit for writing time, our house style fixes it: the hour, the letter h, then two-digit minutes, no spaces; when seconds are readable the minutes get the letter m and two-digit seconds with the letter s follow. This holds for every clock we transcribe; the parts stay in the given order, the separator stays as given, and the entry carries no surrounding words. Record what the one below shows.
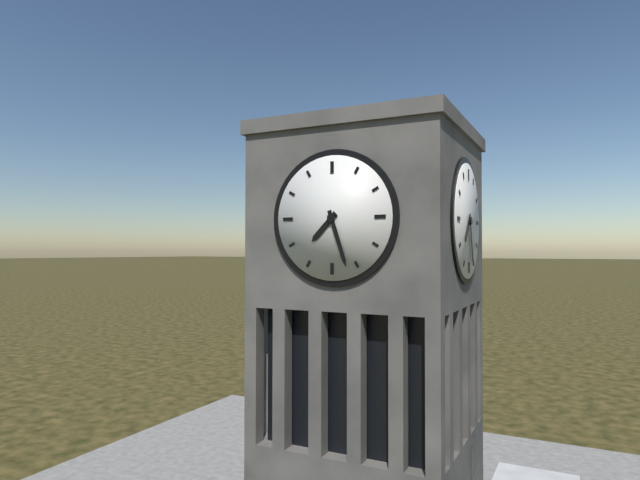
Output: 7h27
